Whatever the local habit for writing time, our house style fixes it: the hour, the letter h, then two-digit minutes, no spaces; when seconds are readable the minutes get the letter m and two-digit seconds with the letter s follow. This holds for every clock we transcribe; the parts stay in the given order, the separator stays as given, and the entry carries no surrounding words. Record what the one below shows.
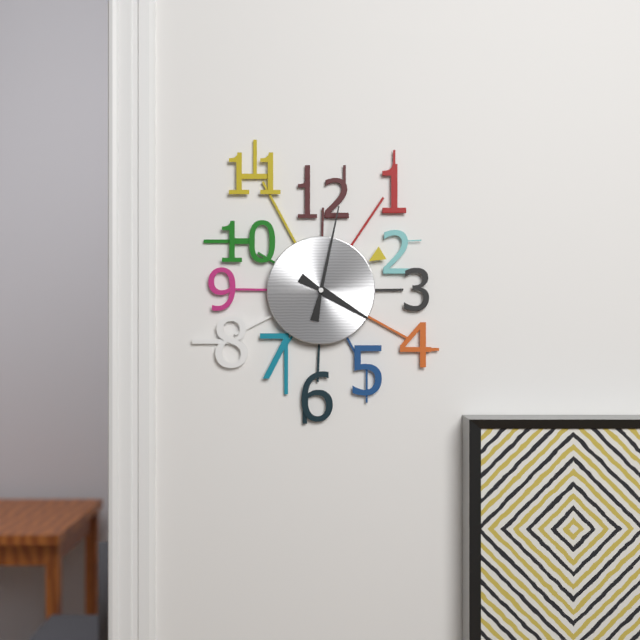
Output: 4h02
